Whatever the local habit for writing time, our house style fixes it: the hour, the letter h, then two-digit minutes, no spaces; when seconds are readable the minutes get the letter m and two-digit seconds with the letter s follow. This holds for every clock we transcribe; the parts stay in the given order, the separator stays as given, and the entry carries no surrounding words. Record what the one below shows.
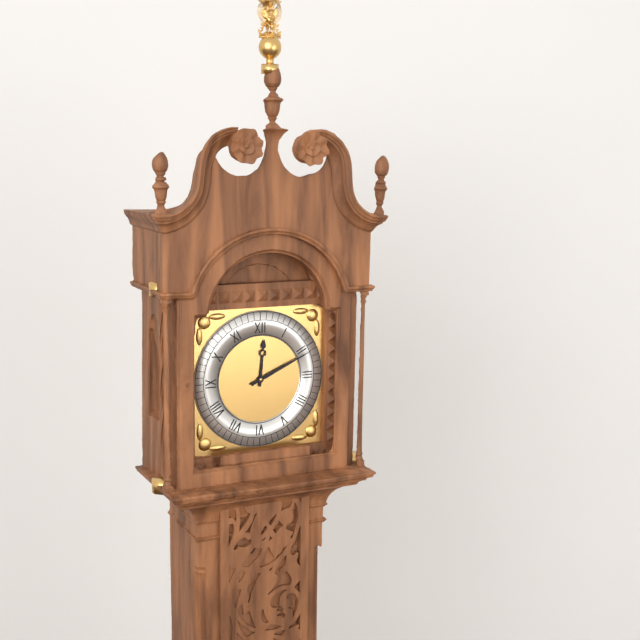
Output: 12h11
